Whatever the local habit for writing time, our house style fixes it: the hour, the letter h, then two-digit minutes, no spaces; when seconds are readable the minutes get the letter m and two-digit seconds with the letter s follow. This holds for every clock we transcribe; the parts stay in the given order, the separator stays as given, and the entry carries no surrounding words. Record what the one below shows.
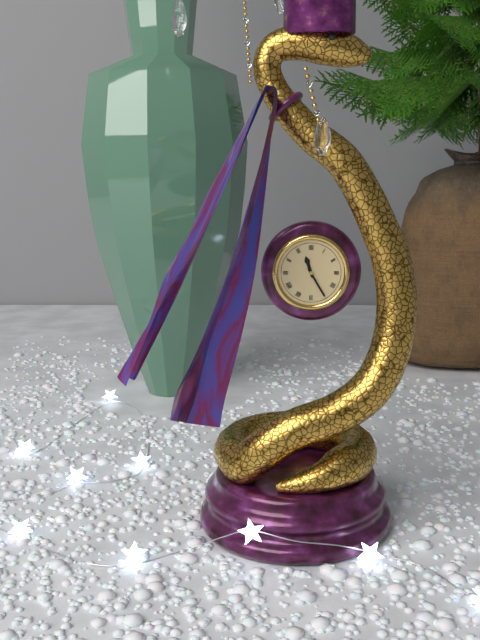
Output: 11h25
